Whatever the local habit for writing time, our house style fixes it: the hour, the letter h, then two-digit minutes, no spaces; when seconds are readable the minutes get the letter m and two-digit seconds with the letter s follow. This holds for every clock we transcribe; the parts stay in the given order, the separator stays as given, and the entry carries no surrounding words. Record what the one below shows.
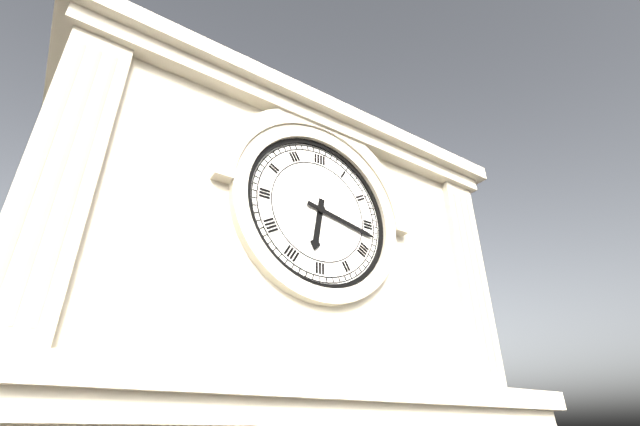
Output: 6h17
